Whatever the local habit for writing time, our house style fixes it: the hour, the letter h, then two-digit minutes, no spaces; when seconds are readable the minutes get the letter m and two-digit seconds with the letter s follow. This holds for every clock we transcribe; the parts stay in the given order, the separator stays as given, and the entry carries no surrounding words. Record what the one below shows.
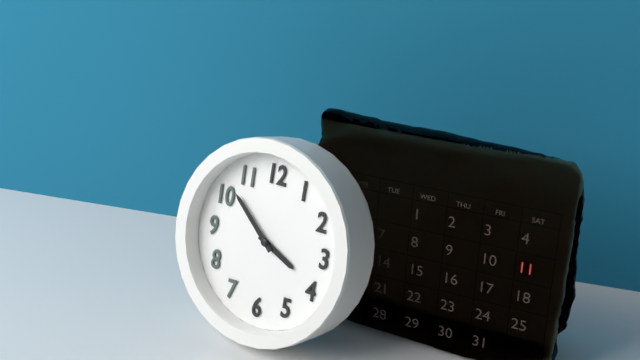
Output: 3h52
